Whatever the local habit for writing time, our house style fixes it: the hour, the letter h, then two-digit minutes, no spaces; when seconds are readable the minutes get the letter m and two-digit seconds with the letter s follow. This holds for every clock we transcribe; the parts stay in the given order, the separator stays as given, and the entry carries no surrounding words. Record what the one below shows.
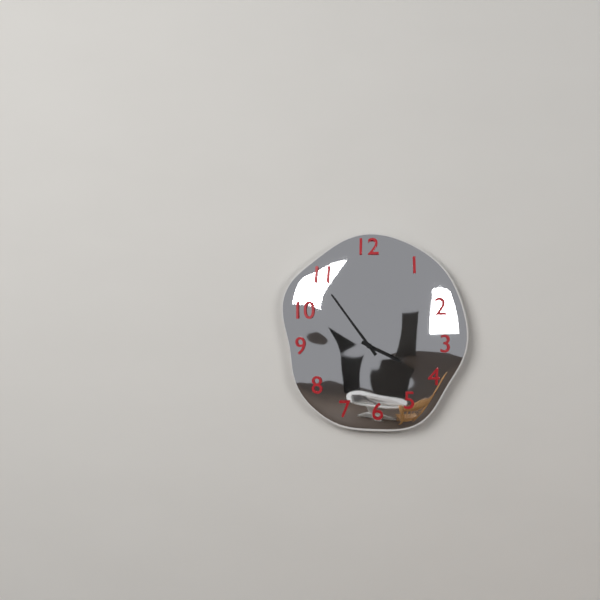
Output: 3h54
